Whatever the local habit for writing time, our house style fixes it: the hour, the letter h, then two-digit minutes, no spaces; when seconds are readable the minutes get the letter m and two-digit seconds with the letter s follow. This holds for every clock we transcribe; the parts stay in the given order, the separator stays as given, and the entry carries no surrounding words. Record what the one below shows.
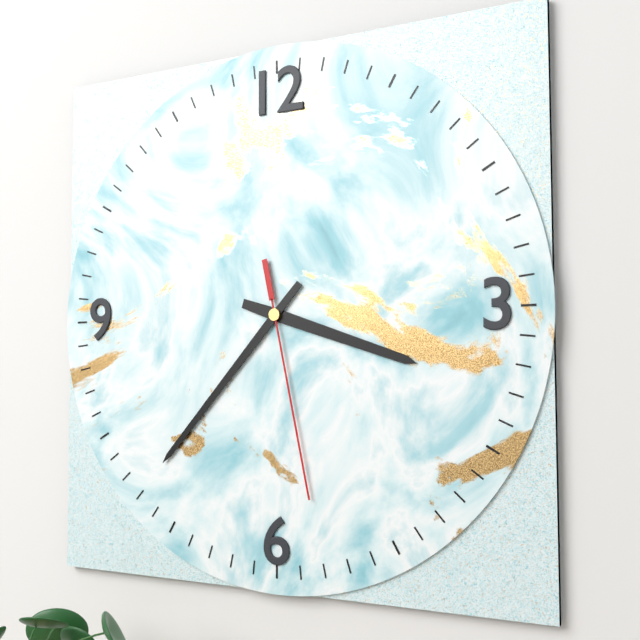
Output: 3h37m28s
